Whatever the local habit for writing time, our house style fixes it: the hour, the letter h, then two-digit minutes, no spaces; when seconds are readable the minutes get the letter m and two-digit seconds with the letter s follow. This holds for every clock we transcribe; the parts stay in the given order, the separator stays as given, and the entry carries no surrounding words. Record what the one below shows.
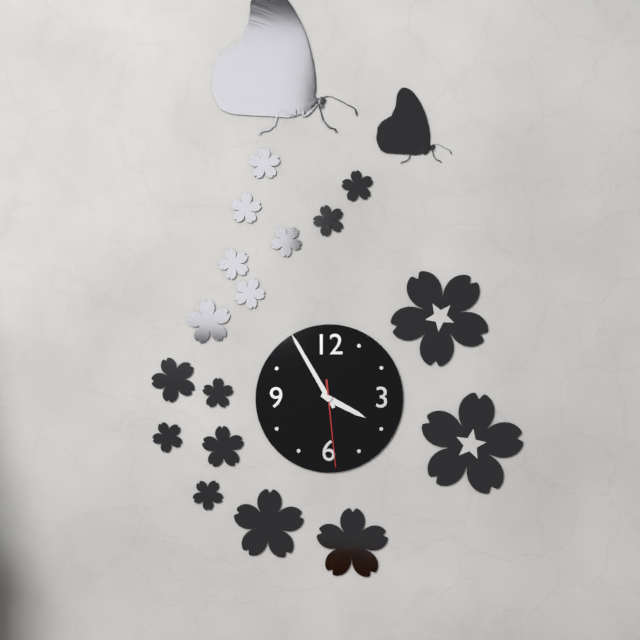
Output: 3h55m29s
